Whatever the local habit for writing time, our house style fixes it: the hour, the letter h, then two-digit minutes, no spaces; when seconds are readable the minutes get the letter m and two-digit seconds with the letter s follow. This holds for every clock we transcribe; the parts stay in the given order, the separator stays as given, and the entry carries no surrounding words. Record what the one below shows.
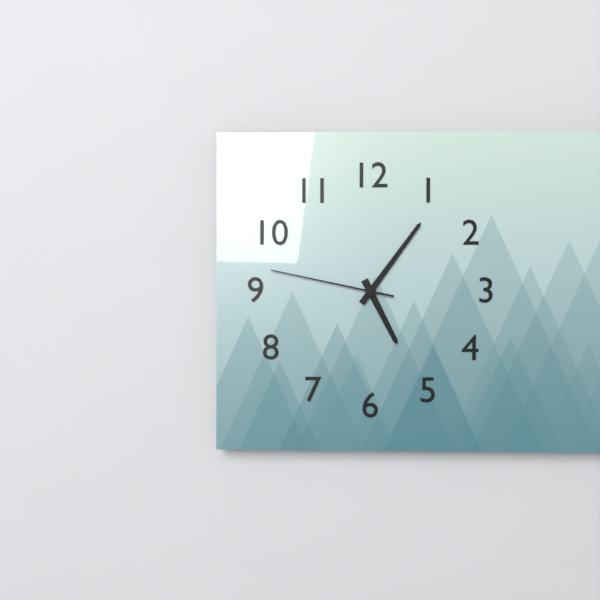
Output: 5h06m47s
